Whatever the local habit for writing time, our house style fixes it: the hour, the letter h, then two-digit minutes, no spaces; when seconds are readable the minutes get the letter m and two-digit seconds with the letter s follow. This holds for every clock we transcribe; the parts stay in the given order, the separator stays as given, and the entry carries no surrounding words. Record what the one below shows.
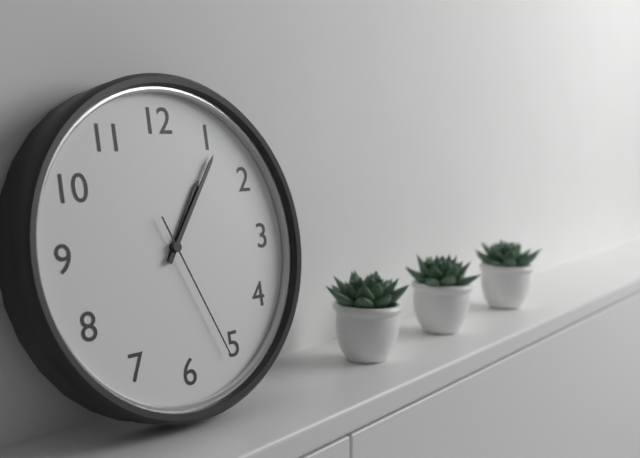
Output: 1h06m26s
